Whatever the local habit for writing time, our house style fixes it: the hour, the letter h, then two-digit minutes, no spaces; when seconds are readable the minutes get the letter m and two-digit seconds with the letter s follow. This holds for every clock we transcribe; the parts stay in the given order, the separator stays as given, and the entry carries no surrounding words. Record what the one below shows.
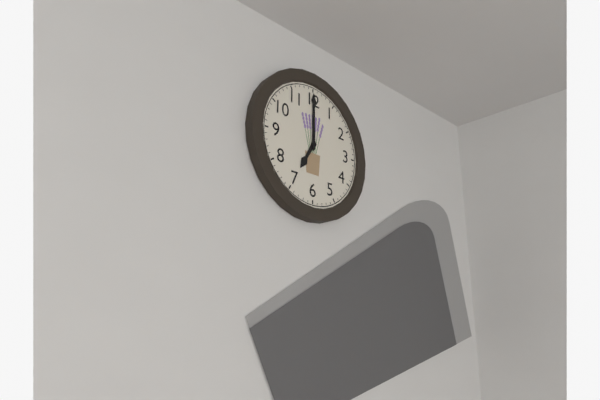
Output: 7h00
